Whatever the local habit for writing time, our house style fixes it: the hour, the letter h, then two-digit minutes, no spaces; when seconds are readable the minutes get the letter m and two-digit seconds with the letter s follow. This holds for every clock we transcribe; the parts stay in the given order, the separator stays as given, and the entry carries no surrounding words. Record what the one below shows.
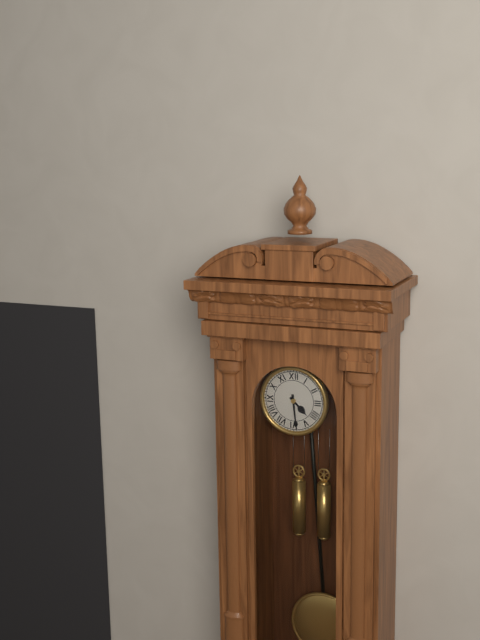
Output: 4h29
